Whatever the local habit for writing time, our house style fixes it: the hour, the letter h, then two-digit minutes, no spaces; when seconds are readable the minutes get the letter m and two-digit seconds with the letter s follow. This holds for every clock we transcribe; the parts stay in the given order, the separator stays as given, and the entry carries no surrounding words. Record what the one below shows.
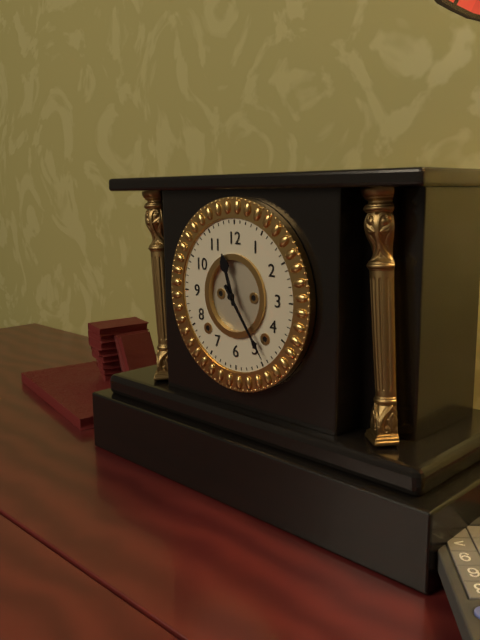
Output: 11h24
